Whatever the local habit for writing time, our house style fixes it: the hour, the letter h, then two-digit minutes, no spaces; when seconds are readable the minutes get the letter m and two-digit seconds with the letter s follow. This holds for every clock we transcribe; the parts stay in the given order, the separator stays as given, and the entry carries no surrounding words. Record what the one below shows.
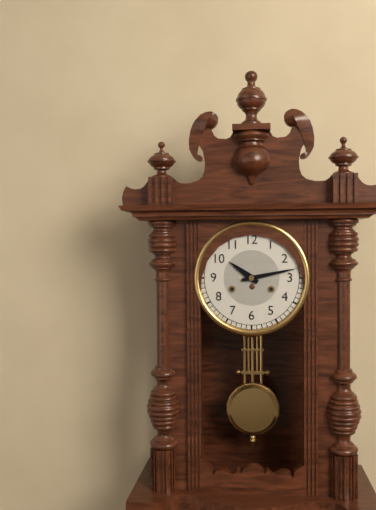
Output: 10h13
